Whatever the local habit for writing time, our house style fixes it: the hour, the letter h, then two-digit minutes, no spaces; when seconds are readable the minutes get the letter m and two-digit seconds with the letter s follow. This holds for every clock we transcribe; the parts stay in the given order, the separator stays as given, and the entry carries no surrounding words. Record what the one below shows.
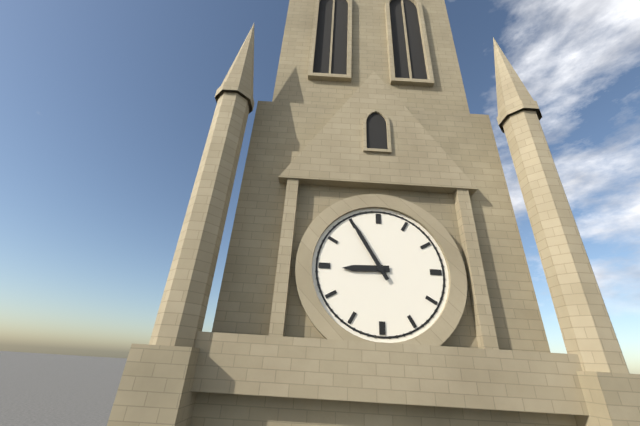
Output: 8h55
